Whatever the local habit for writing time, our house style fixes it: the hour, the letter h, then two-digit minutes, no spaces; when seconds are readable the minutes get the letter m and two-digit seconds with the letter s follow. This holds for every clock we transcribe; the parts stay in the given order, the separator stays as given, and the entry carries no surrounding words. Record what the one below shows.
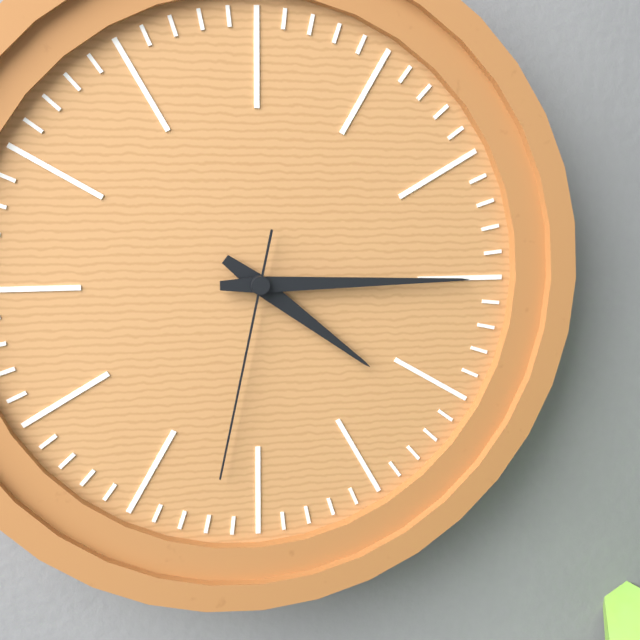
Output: 4h15m32s
